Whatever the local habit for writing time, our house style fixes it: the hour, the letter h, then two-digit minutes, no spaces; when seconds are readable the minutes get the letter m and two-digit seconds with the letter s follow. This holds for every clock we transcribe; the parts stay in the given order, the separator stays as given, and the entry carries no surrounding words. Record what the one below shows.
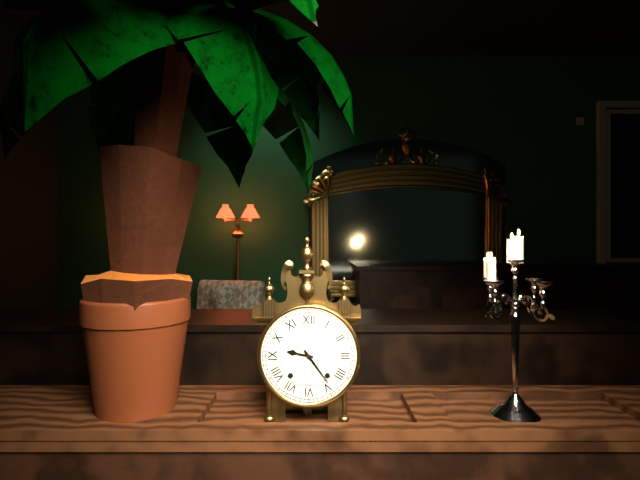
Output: 9h24
